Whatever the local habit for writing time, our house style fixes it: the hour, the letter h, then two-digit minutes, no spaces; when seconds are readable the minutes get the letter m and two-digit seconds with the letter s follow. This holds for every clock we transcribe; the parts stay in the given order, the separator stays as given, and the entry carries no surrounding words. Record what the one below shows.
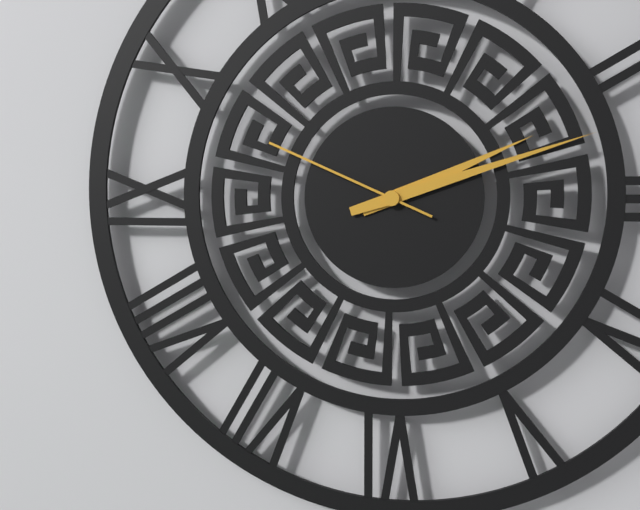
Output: 2h12m49s
